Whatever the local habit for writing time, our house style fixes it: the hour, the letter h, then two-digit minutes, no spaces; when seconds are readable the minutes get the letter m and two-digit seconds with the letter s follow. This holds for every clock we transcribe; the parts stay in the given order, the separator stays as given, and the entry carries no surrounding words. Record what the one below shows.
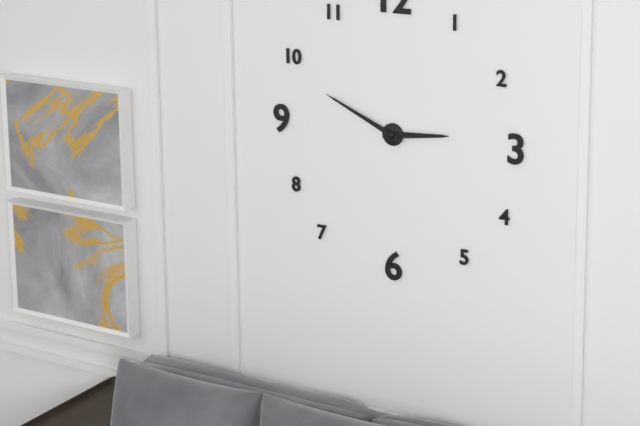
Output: 2h49
